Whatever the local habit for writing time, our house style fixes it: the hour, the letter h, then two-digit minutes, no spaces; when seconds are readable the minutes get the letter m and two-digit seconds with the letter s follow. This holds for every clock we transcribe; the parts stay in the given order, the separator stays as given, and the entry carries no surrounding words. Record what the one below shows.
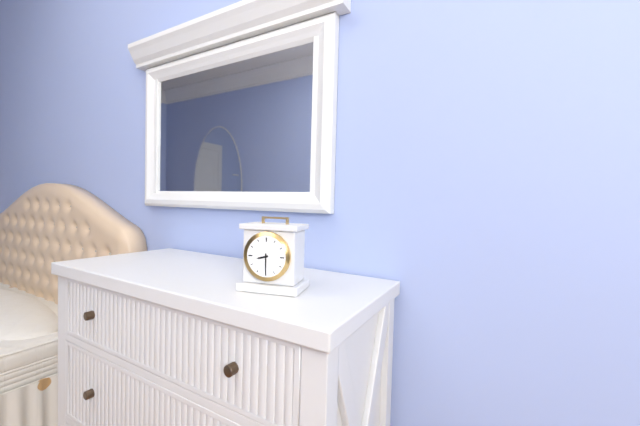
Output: 8h30
